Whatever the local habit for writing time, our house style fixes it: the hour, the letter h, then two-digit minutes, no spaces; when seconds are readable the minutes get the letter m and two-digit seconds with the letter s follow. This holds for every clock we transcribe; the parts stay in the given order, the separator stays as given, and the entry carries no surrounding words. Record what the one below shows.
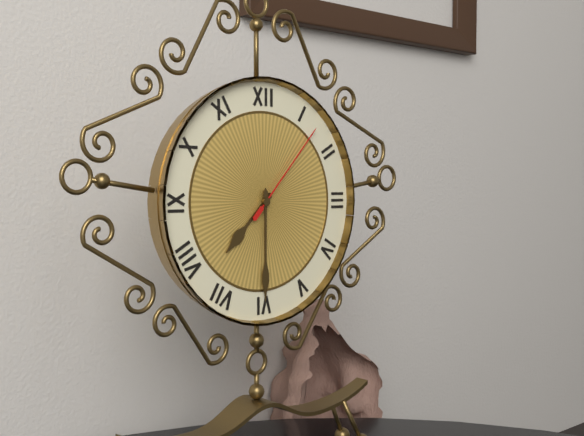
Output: 7h30m07s
